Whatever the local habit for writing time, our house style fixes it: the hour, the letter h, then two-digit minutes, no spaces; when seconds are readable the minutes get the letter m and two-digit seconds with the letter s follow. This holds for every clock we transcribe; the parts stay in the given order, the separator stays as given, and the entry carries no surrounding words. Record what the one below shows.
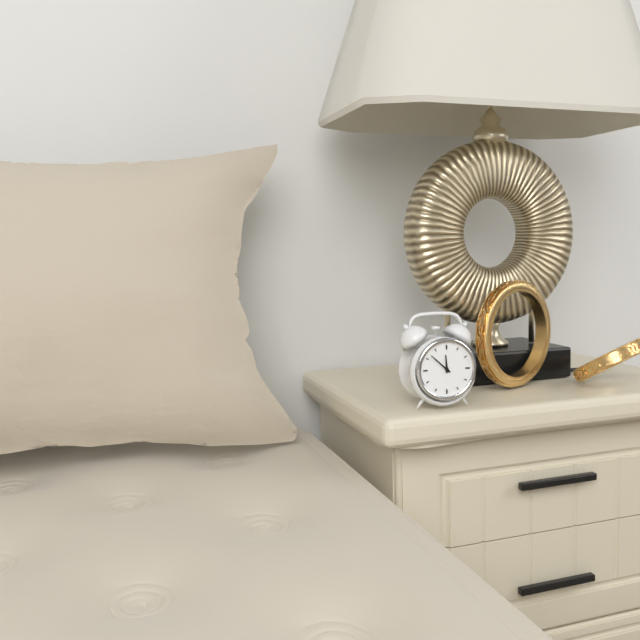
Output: 11h52
